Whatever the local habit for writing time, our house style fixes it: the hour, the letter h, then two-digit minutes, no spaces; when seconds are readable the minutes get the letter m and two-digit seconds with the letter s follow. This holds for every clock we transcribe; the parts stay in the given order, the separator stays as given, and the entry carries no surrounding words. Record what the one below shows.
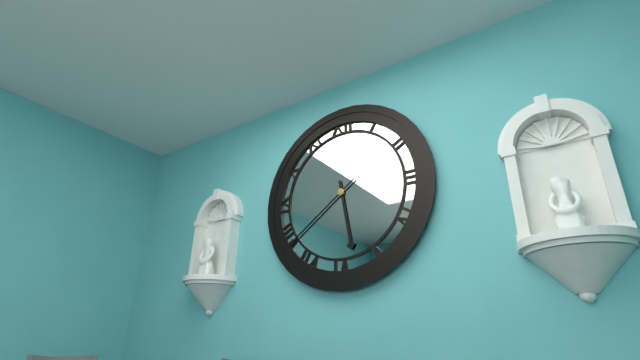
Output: 5h39
